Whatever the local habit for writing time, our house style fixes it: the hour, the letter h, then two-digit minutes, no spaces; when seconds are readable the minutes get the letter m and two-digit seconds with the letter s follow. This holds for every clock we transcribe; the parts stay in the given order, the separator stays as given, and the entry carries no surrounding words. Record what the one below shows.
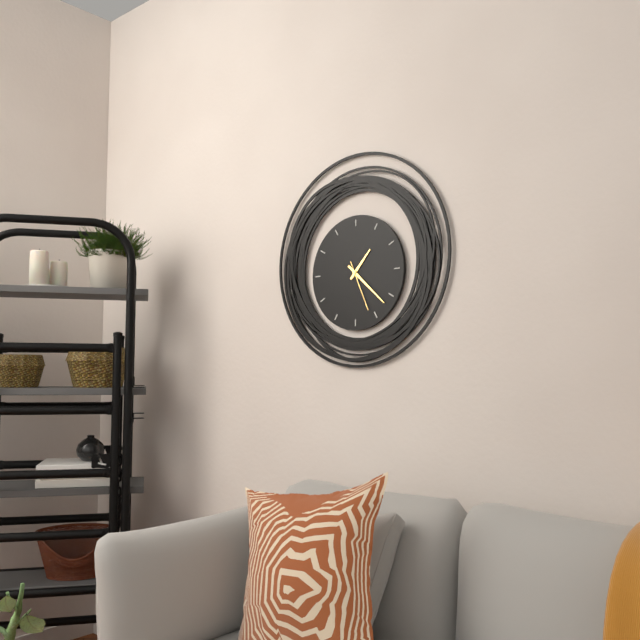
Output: 1h22
